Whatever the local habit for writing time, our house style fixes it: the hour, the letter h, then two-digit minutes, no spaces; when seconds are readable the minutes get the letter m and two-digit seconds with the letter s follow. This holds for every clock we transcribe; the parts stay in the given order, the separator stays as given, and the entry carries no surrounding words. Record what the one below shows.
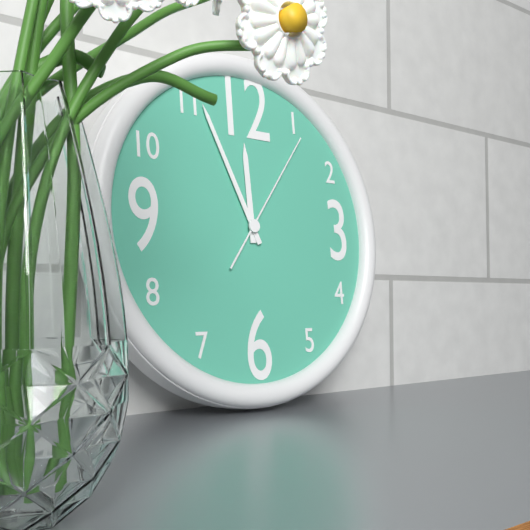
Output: 11h56m06s
